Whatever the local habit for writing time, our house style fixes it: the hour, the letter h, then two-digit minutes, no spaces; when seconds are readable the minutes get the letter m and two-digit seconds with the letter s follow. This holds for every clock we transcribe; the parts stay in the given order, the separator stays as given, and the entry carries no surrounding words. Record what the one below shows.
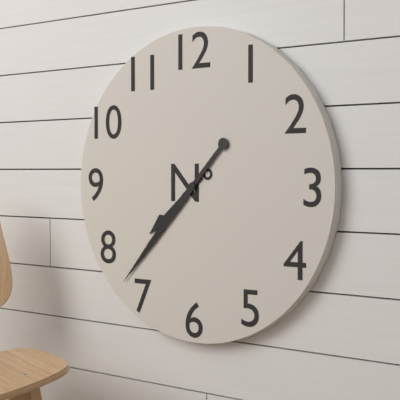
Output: 7h37
